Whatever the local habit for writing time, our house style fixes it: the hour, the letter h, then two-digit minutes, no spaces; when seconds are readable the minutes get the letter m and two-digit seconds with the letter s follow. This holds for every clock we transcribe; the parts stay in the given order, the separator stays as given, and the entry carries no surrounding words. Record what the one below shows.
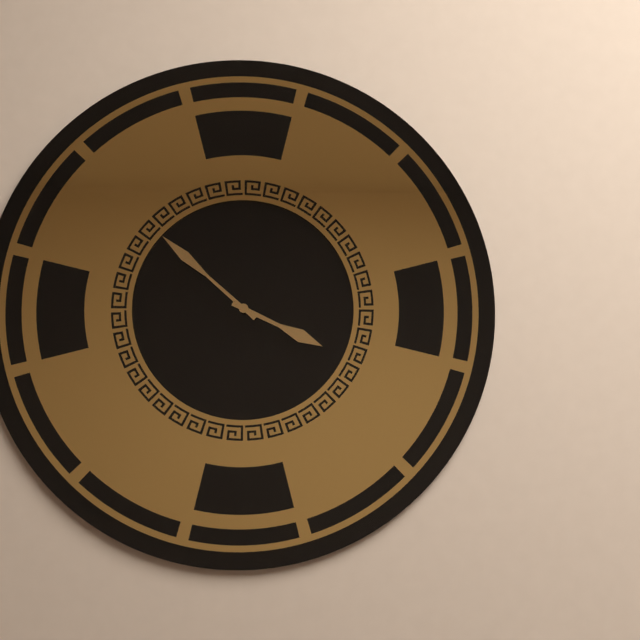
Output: 3h52
